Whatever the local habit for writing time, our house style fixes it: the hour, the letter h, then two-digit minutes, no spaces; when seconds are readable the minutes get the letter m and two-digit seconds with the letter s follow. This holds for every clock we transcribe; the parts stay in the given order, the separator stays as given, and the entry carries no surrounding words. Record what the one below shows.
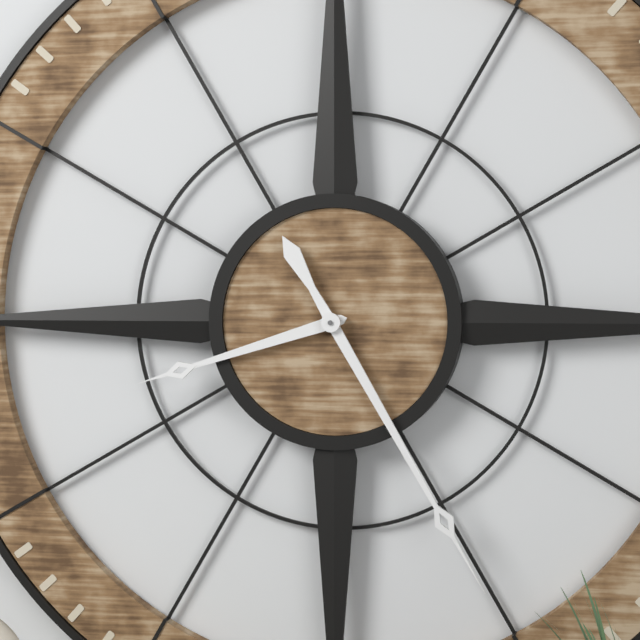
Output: 8h25
